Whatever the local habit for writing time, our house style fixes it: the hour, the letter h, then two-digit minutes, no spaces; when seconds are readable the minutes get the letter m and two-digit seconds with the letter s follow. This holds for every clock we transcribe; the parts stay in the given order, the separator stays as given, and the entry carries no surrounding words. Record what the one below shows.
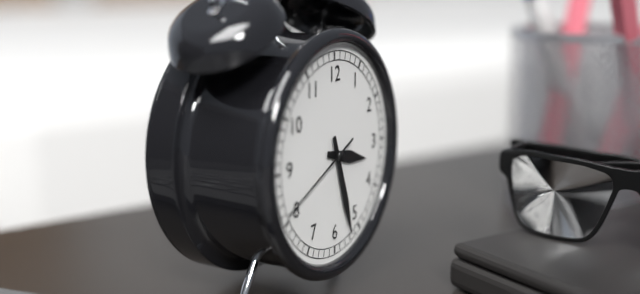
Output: 3h27m41s
